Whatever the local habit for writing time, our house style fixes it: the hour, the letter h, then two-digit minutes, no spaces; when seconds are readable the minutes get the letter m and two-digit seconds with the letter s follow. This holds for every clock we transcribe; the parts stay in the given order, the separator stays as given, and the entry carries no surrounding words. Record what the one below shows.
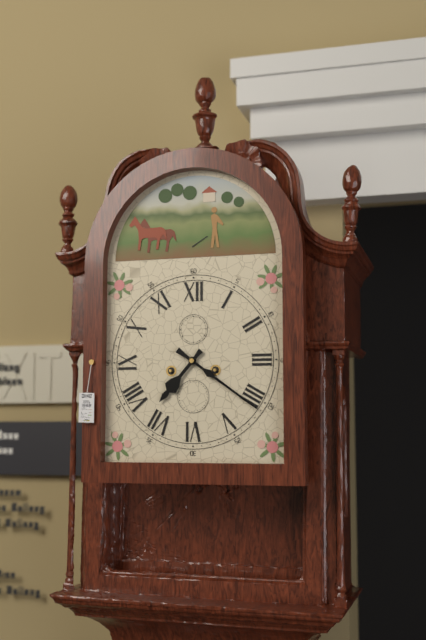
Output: 7h21
